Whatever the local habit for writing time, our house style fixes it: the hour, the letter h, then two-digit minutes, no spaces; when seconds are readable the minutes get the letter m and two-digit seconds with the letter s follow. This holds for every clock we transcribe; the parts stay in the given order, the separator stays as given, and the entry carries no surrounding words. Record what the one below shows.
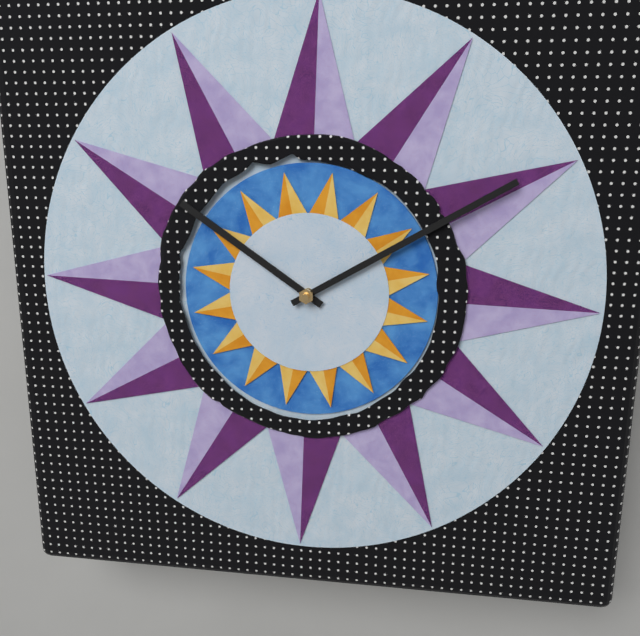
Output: 10h10
